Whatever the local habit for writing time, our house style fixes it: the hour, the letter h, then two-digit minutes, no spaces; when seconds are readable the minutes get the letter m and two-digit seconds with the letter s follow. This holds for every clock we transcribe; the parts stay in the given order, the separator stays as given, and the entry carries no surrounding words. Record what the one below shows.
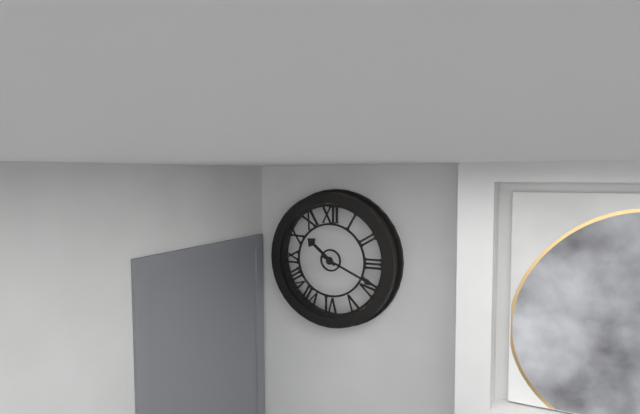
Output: 10h19
